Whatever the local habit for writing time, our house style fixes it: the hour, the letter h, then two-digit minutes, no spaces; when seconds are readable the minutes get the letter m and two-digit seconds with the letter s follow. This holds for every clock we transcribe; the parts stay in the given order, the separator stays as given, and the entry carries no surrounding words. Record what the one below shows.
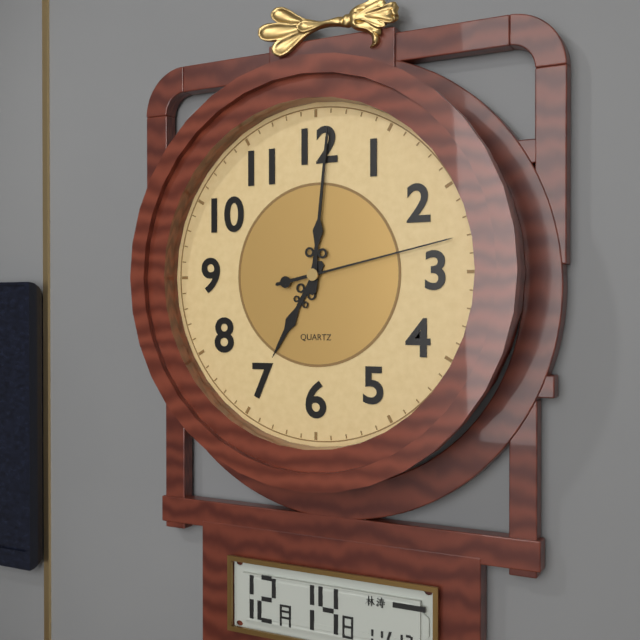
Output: 7h01m13s
